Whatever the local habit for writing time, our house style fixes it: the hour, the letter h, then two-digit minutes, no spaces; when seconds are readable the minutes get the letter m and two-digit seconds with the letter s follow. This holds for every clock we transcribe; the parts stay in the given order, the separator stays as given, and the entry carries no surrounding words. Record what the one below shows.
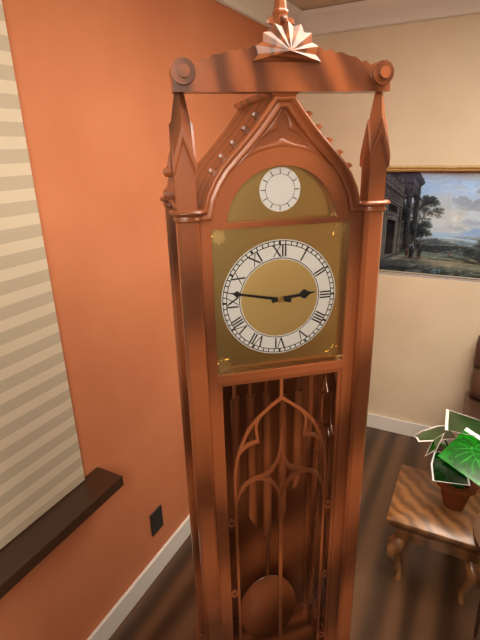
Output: 2h47
